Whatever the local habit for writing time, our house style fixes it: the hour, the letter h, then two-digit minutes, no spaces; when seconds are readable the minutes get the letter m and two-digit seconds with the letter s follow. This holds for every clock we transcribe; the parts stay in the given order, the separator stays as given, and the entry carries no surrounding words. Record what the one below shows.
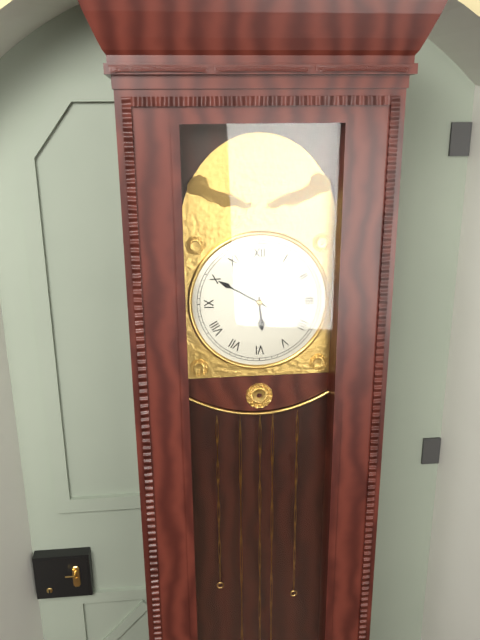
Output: 5h50
